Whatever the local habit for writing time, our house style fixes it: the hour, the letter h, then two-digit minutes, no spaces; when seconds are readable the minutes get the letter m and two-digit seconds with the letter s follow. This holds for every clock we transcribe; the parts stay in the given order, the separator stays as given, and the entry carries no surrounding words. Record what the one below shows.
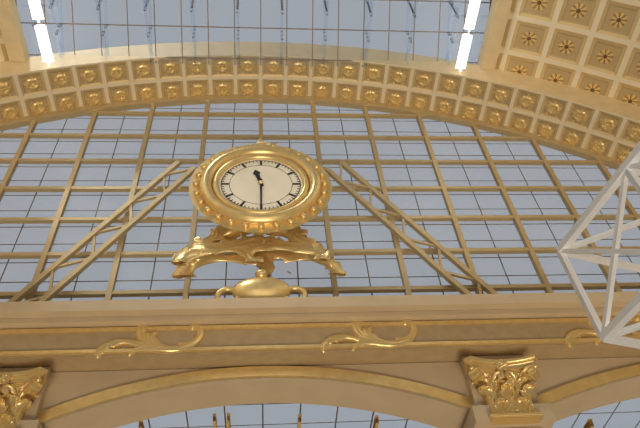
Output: 11h30
